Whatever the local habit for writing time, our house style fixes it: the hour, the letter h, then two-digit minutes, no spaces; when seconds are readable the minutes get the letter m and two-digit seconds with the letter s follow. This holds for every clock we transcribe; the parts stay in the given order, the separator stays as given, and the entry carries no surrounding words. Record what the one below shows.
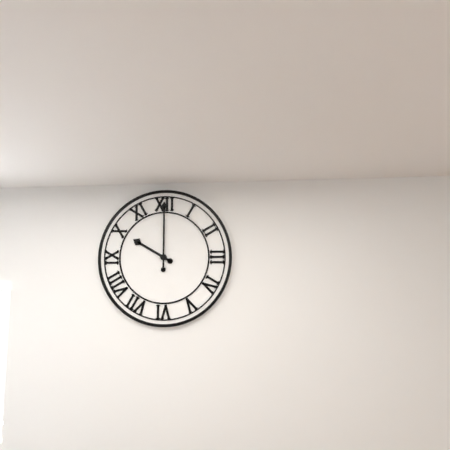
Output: 10h00
